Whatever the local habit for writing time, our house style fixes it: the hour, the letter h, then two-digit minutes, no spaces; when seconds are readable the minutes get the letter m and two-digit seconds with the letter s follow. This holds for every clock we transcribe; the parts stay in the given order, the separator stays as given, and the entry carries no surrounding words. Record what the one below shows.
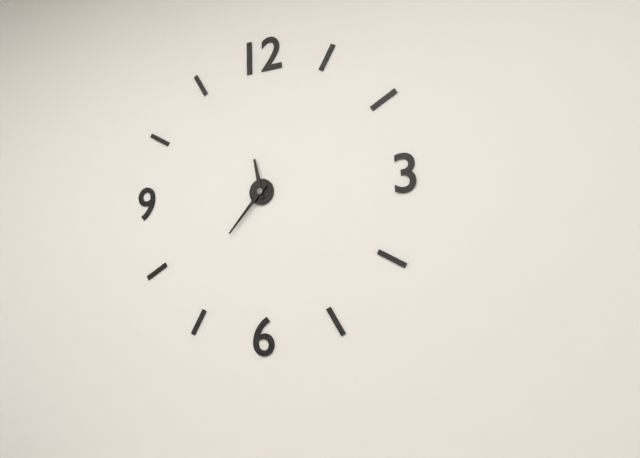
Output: 11h37
